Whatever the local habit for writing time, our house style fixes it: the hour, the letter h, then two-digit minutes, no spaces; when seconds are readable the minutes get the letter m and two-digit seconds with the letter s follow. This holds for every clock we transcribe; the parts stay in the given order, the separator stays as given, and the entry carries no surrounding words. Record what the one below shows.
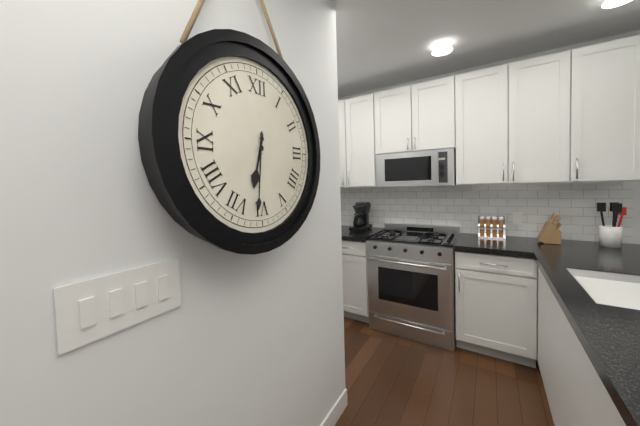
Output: 6h31
